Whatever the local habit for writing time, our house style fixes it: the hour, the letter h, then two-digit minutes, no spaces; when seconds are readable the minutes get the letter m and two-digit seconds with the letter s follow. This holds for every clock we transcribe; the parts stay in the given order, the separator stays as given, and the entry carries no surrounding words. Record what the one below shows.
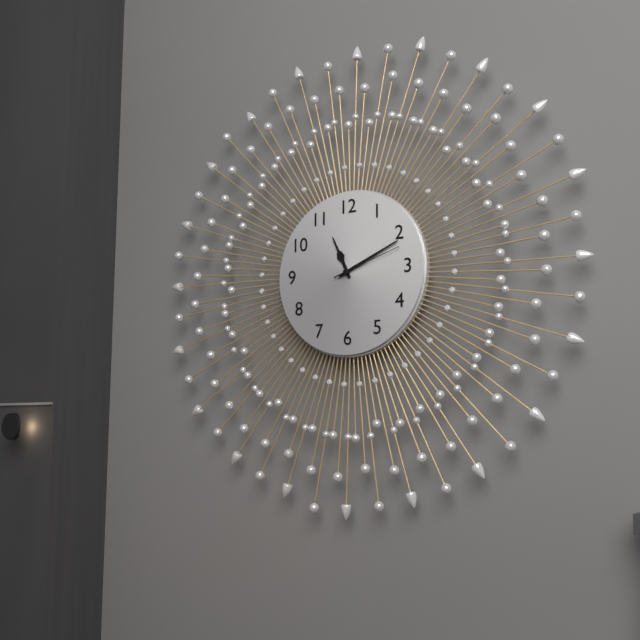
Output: 11h11m12s
